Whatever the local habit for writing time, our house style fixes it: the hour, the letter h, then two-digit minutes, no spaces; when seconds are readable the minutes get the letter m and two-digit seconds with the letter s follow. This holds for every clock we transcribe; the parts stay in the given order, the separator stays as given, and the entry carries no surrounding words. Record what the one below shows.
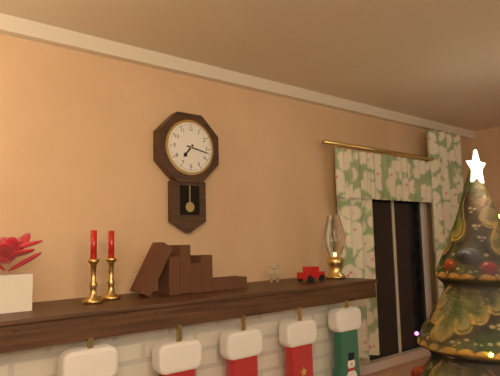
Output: 7h17
